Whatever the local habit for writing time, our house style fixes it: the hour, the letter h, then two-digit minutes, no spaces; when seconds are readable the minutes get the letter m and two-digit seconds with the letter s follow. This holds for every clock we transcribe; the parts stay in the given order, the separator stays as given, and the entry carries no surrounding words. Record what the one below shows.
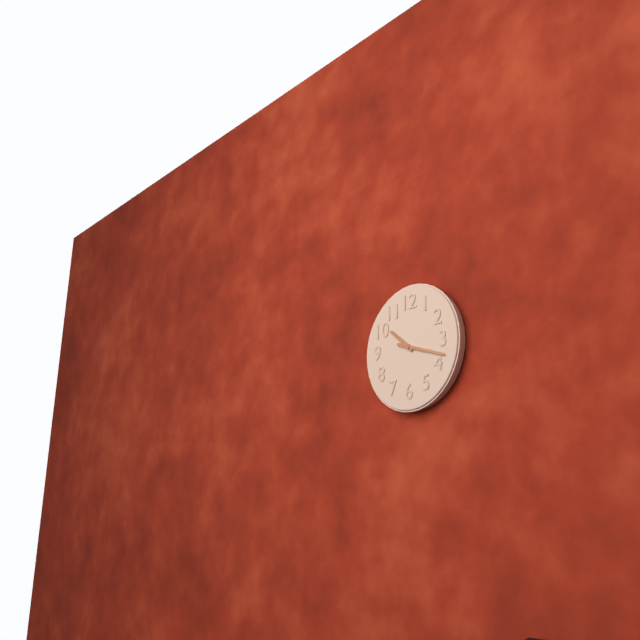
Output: 10h18
